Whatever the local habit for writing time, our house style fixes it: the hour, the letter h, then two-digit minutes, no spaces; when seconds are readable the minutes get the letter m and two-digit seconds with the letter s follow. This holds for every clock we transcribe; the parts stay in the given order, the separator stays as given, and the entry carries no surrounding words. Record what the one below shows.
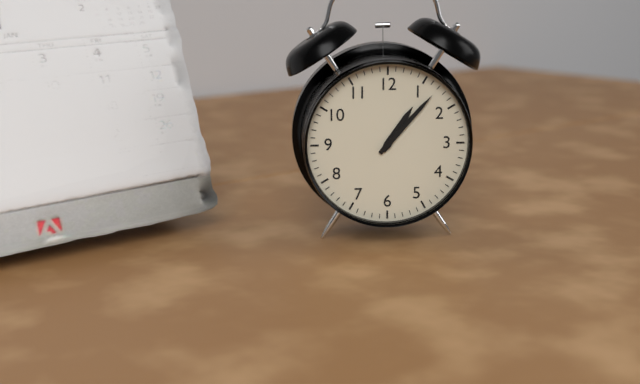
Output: 1h07
